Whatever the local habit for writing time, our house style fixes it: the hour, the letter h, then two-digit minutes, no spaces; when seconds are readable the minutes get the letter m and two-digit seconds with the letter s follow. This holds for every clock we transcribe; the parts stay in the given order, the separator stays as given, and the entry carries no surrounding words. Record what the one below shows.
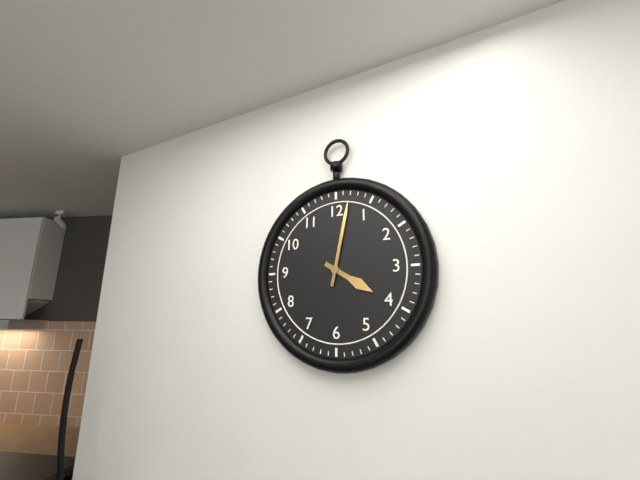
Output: 4h02
